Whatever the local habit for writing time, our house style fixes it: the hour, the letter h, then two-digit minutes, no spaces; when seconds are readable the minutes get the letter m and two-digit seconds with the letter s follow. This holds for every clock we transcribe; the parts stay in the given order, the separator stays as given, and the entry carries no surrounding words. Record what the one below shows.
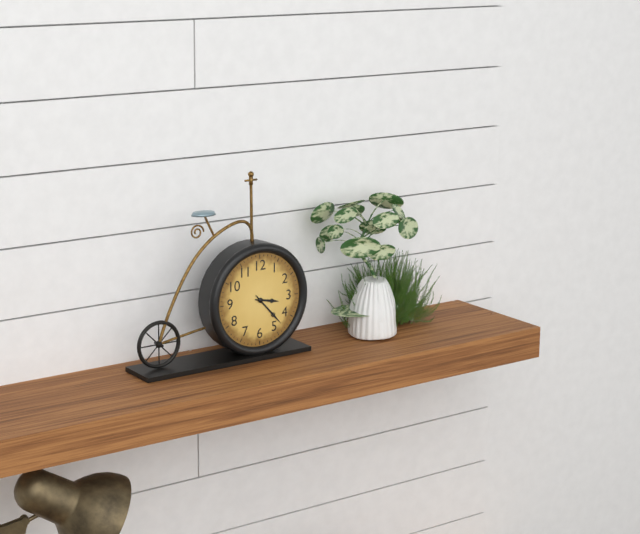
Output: 3h23
